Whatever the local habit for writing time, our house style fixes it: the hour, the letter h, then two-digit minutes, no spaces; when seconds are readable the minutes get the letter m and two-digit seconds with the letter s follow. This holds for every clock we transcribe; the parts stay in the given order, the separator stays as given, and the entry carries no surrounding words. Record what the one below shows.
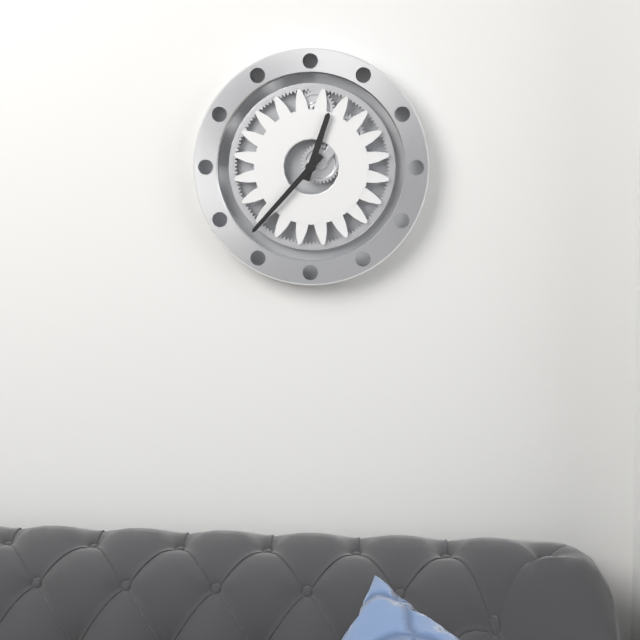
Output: 12h37
